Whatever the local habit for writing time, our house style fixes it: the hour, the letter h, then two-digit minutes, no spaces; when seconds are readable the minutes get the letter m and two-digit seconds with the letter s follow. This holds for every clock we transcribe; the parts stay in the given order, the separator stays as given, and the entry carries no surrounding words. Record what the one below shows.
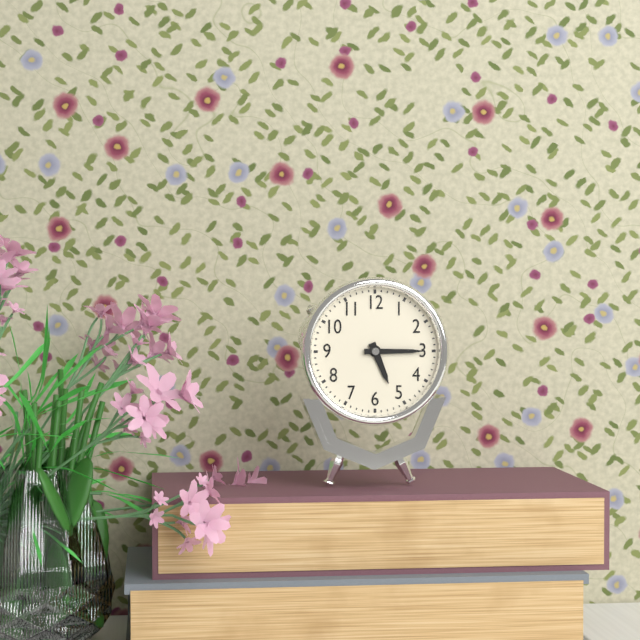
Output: 5h15
